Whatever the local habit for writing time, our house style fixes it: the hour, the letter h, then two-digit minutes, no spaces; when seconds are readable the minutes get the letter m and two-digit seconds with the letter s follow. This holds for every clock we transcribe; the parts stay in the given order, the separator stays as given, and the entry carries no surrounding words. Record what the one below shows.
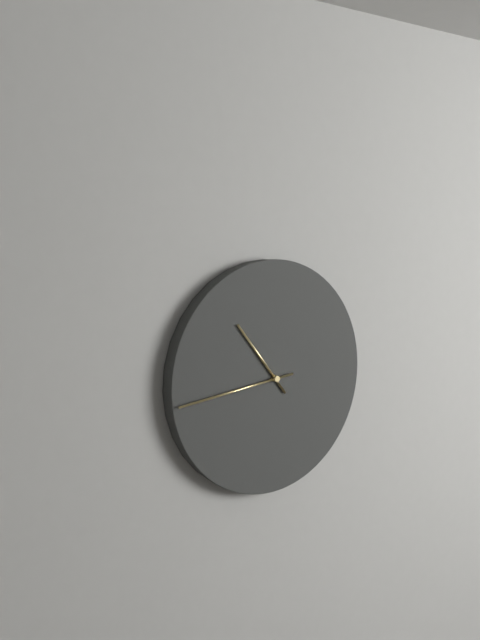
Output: 10h44
